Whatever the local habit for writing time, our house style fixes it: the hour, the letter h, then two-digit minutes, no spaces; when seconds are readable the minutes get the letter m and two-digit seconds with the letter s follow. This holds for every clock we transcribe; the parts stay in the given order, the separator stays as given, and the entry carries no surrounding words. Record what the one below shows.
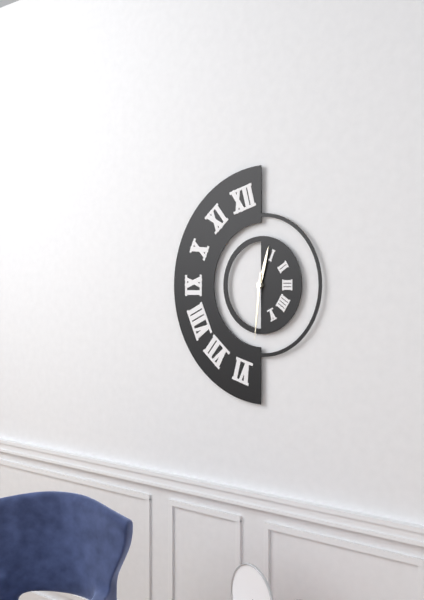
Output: 12h31
